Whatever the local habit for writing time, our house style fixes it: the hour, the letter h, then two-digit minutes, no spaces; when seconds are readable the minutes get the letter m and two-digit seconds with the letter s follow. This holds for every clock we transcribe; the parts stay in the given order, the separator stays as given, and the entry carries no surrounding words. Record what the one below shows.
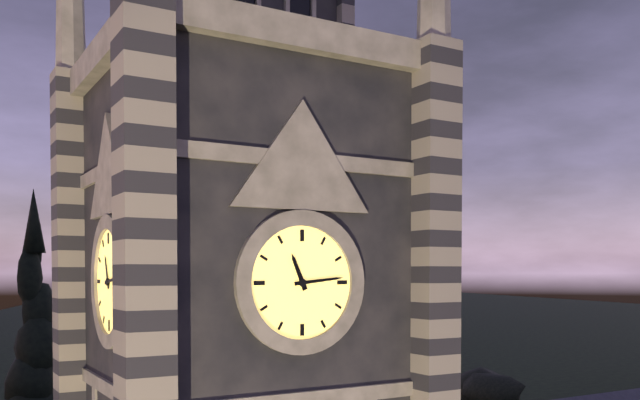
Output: 11h14
